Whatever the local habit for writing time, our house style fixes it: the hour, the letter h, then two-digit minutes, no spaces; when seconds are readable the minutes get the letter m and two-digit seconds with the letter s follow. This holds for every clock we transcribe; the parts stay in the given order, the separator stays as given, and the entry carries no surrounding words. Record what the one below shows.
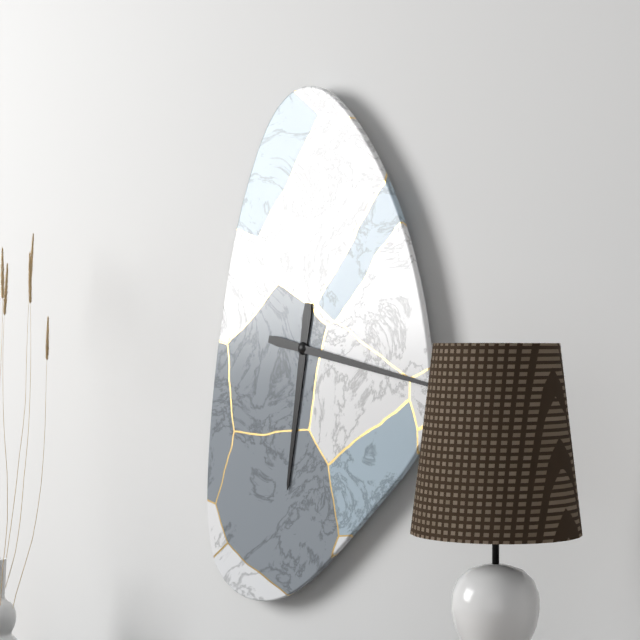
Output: 6h17
